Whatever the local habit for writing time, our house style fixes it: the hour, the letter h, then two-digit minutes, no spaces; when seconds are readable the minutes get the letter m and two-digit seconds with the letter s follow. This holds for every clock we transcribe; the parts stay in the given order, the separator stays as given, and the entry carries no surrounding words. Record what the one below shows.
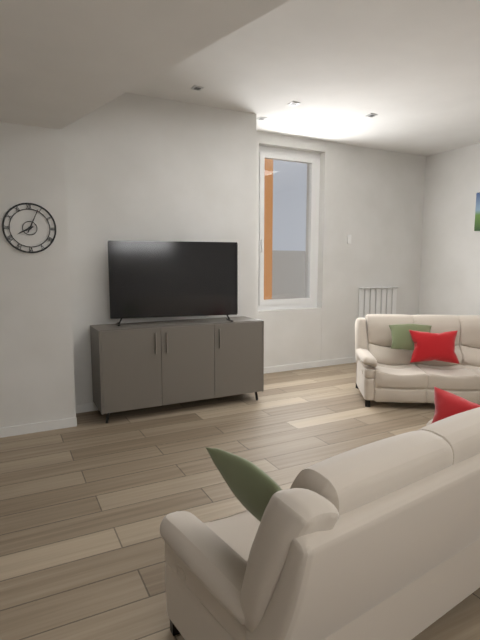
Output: 8h04
